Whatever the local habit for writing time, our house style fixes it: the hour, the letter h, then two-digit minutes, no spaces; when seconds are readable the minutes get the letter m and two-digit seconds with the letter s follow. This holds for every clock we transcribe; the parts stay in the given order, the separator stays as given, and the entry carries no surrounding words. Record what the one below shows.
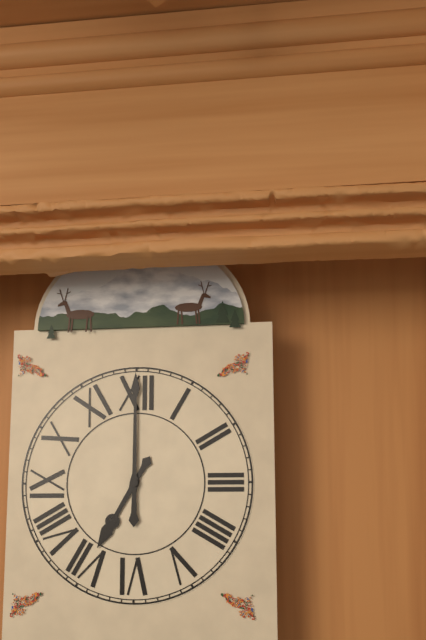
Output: 7h00
